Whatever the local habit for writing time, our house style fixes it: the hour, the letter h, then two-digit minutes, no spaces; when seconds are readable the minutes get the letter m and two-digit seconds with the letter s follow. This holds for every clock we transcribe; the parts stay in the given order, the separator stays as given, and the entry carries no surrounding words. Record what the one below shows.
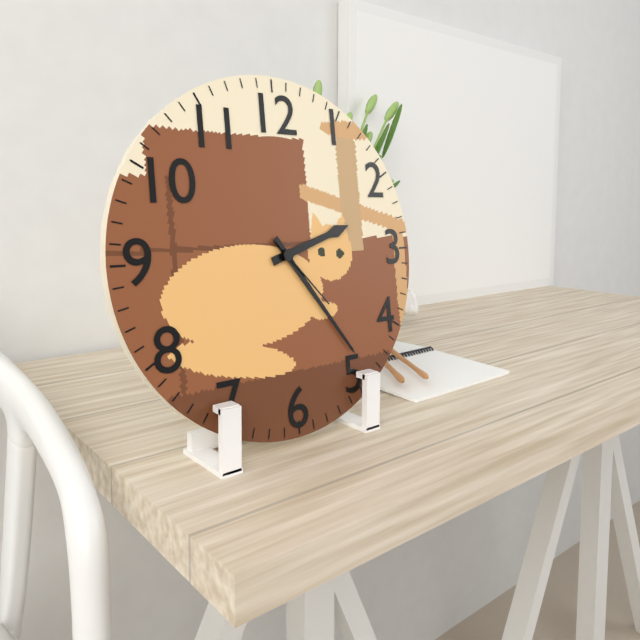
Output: 2h24m23s
